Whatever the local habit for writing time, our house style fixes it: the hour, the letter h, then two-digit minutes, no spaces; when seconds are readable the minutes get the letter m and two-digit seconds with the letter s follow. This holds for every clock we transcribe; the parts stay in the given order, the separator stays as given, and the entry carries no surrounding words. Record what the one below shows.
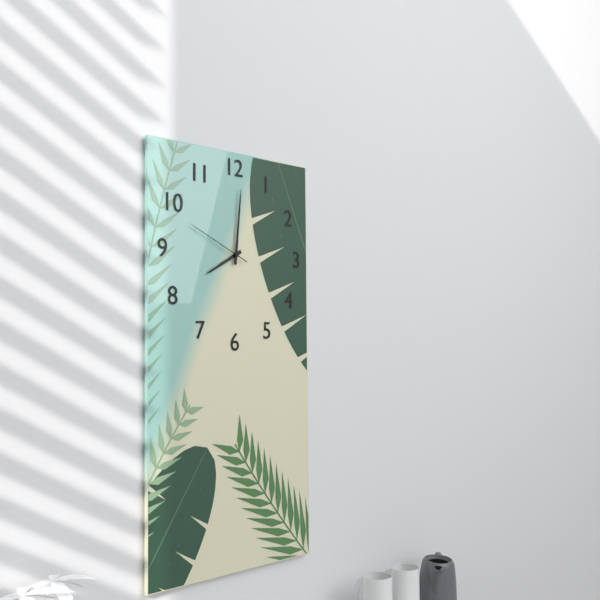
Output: 8h01m49s
